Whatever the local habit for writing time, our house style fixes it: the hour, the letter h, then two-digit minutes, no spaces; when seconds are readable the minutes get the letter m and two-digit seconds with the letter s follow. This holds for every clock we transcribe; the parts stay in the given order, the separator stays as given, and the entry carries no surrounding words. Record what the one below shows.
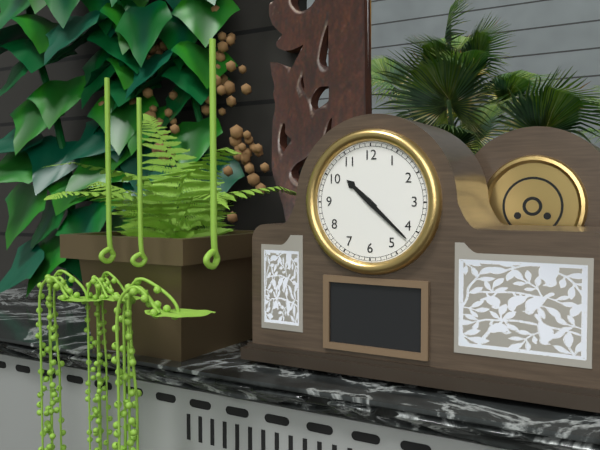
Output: 10h22
